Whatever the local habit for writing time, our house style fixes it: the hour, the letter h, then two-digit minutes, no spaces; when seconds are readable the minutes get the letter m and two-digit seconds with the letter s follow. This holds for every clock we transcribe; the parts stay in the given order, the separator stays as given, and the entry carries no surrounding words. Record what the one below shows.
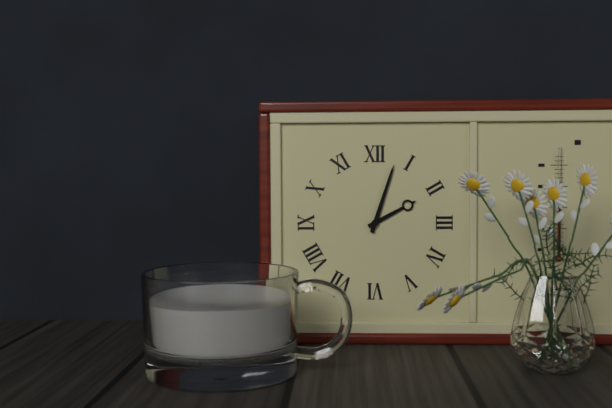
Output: 2h03
